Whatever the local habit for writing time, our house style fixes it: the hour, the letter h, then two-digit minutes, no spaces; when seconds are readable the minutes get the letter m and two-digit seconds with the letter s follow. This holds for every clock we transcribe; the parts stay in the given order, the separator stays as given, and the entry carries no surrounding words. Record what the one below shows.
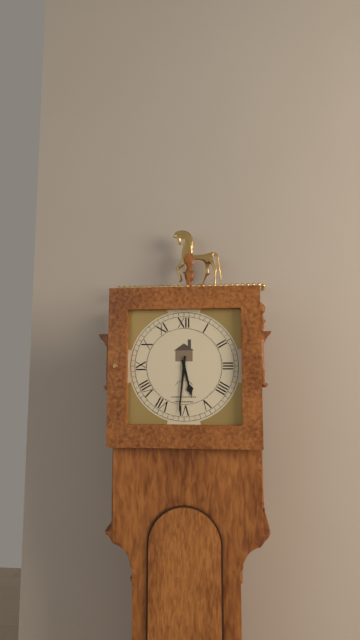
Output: 5h31
